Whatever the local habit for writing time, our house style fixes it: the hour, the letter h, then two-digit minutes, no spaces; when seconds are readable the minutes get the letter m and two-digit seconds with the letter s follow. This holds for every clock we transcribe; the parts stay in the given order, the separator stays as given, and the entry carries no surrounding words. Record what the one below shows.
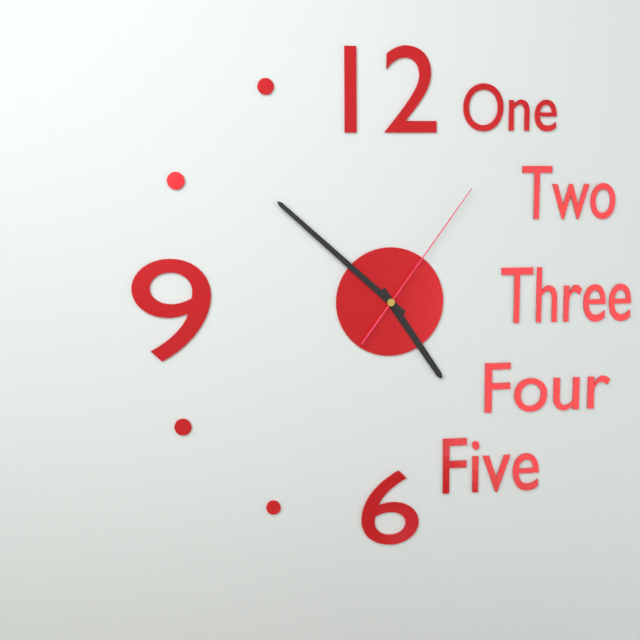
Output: 4h52m06s
